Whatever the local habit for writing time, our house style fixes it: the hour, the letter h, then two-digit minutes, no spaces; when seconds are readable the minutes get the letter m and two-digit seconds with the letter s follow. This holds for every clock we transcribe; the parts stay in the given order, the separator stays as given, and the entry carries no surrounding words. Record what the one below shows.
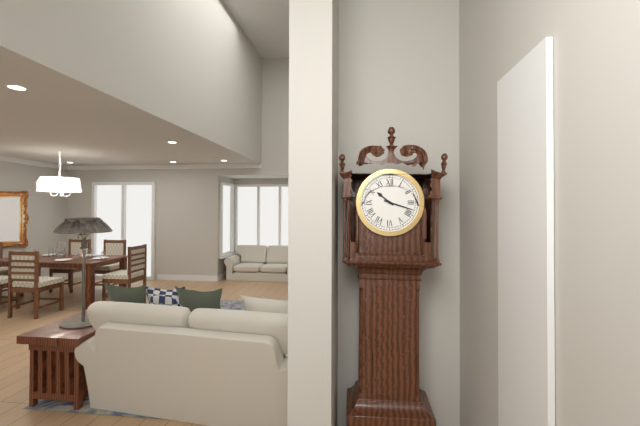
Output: 10h18
